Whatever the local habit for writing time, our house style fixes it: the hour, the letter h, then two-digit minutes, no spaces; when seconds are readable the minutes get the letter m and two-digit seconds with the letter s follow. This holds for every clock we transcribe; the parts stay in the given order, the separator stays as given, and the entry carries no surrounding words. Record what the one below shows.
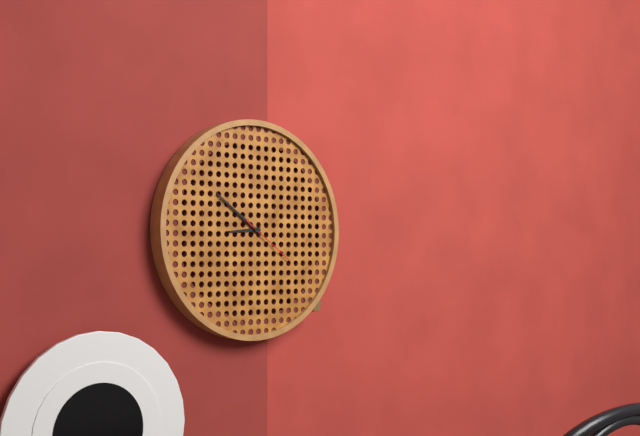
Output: 8h51m21s
